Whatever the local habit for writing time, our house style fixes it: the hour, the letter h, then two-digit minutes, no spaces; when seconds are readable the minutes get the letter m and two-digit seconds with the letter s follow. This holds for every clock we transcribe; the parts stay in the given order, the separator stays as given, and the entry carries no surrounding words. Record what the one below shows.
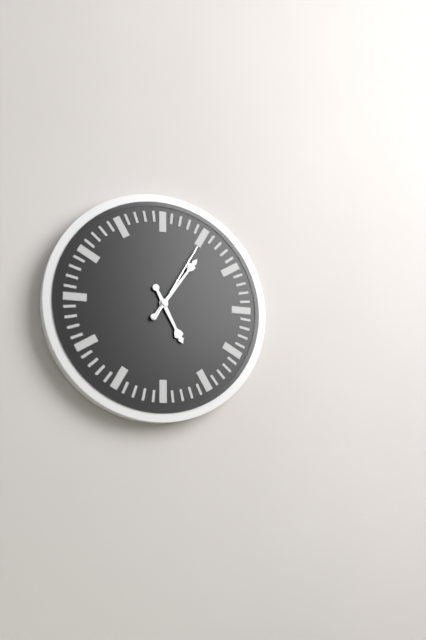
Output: 5h06m05s
